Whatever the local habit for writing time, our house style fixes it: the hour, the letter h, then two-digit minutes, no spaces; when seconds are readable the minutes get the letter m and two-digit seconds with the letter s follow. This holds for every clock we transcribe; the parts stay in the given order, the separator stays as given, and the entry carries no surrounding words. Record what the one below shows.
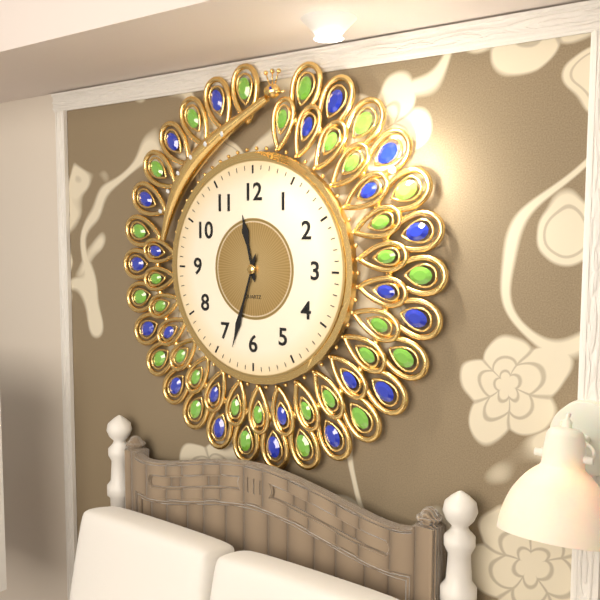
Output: 11h33
